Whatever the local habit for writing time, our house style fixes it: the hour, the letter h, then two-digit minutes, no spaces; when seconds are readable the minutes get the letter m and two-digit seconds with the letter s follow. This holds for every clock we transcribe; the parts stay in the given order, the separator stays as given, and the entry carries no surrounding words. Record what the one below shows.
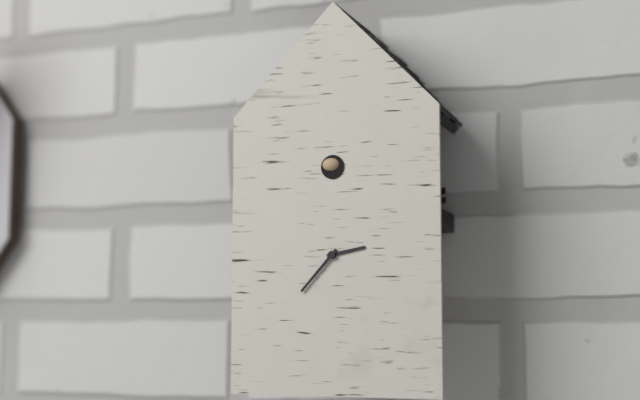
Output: 2h37
